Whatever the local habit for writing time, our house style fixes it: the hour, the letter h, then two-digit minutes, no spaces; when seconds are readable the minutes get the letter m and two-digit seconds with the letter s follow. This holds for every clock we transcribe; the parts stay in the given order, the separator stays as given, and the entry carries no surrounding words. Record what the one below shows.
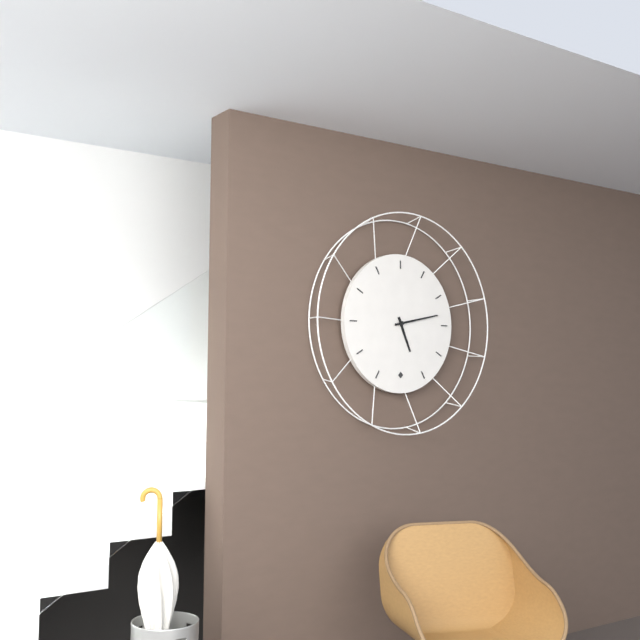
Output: 5h13
